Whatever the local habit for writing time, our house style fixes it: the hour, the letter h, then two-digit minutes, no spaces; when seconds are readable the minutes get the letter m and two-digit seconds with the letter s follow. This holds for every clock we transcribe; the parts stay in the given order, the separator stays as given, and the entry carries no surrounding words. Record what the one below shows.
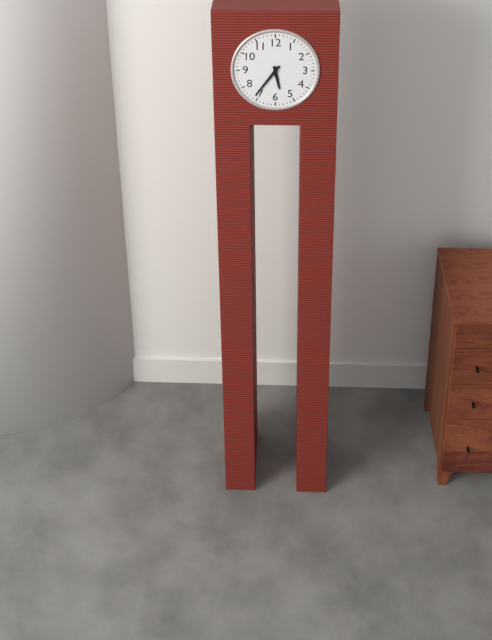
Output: 5h36
